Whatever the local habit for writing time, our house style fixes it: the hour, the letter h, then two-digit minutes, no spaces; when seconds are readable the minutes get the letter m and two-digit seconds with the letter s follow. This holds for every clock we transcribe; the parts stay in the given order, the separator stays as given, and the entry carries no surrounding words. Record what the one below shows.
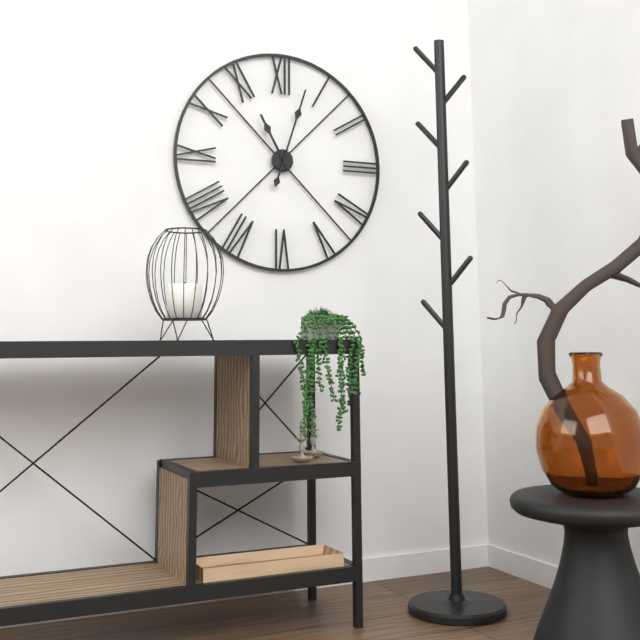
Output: 11h03
